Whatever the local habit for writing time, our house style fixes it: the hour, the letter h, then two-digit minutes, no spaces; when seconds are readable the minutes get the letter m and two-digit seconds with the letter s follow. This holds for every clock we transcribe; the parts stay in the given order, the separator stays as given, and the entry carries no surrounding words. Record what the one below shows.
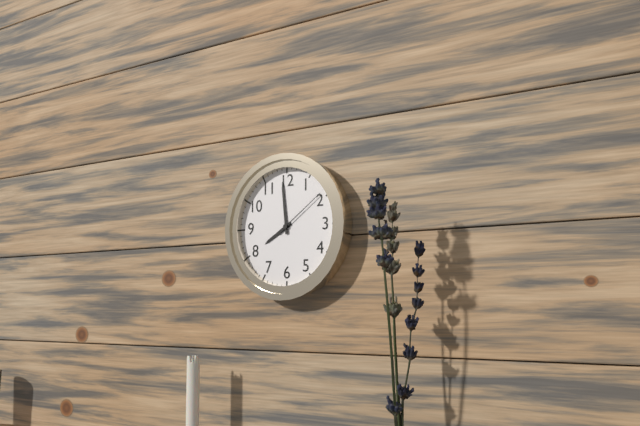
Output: 7h59m09s
